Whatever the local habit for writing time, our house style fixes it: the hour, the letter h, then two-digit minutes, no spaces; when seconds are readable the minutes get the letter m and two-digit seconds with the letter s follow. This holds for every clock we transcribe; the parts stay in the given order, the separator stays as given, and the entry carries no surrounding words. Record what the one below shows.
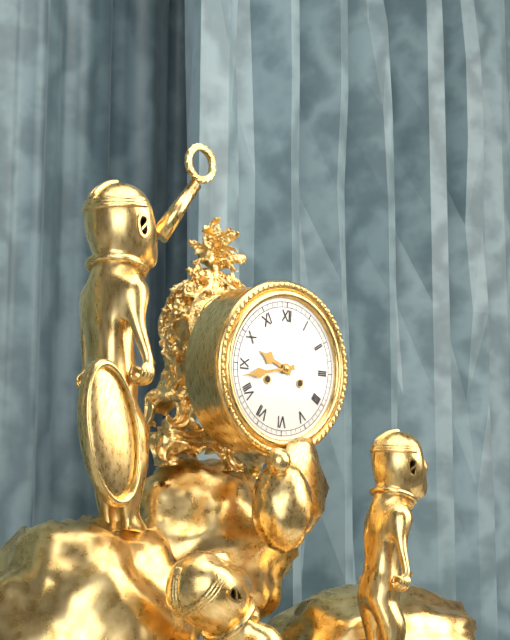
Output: 9h43
